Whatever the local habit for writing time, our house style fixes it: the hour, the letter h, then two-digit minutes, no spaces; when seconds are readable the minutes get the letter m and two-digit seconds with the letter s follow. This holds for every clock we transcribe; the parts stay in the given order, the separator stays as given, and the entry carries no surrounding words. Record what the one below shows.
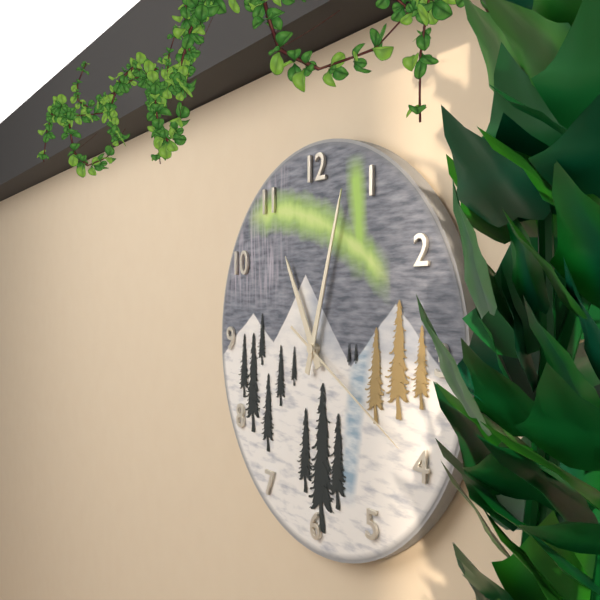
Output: 11h03m20s
